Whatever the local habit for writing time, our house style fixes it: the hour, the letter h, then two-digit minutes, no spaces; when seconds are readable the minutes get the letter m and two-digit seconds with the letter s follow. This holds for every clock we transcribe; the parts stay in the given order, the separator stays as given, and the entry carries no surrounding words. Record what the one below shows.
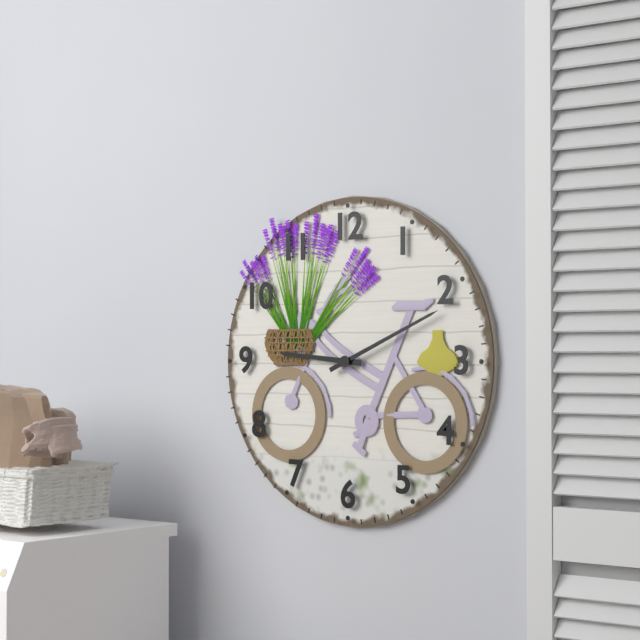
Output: 9h11
